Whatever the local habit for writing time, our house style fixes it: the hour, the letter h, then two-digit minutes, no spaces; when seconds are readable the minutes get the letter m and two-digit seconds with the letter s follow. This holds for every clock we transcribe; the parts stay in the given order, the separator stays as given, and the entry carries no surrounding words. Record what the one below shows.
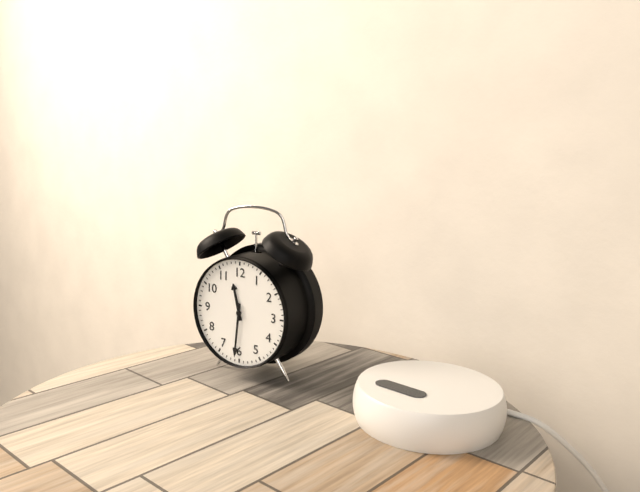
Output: 11h31
